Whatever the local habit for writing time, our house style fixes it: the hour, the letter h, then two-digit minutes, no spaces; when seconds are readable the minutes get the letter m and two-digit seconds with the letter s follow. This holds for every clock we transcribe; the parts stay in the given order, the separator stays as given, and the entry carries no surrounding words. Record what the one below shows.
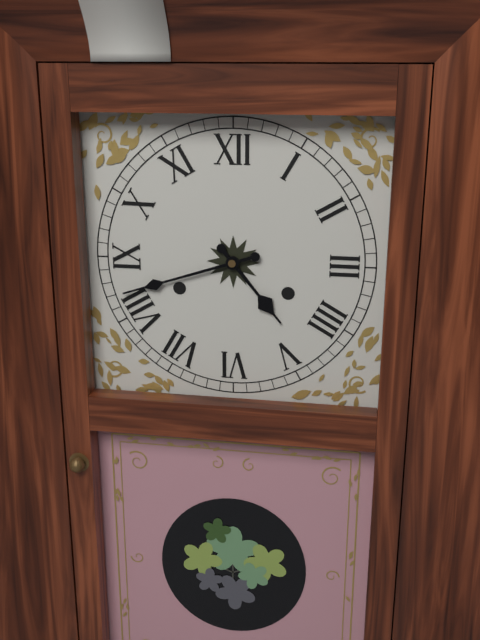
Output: 4h42
